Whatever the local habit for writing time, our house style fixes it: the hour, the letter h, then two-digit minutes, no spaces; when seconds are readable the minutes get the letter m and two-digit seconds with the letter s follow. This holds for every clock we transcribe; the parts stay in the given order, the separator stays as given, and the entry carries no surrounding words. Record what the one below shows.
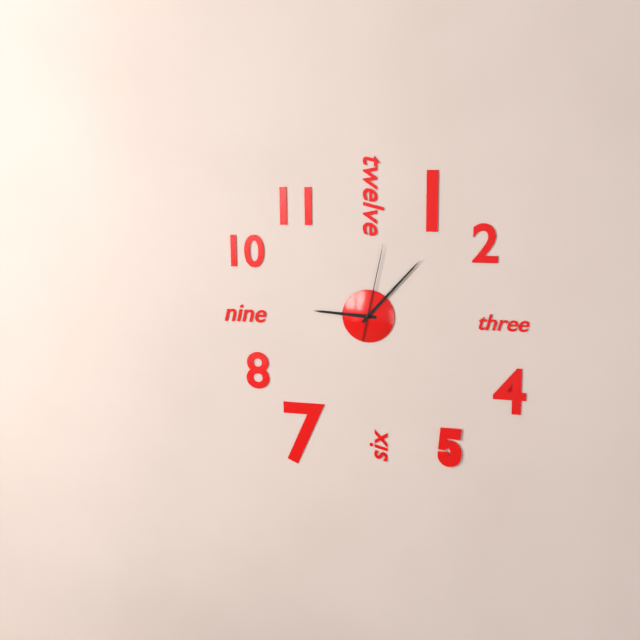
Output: 9h07m02s
